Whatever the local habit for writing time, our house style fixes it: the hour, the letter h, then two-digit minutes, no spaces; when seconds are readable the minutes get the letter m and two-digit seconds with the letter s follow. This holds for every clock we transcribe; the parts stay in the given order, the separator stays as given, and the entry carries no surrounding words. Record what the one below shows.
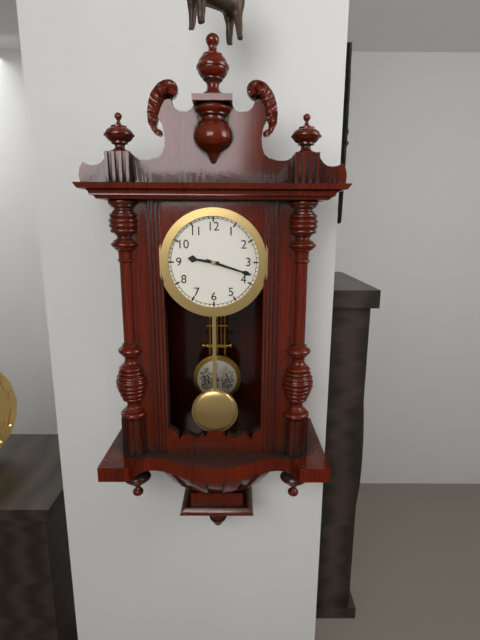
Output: 9h18
